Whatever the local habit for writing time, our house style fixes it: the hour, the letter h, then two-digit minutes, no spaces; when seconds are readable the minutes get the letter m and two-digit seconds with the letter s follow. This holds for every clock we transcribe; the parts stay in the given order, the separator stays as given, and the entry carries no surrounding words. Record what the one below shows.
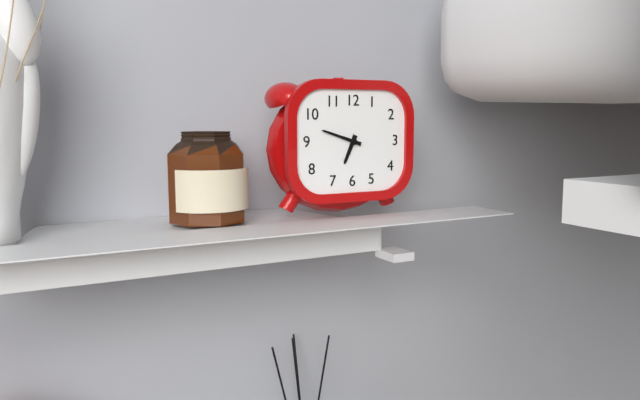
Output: 6h48
